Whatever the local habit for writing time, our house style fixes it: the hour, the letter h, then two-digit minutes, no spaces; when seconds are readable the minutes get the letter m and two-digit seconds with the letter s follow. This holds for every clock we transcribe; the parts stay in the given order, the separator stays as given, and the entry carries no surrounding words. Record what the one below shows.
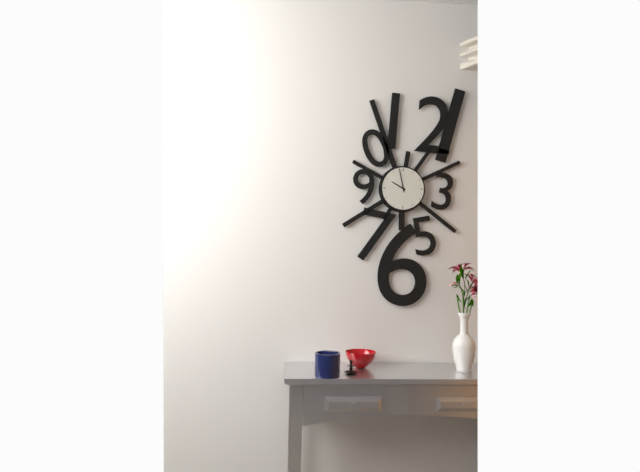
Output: 9h58
